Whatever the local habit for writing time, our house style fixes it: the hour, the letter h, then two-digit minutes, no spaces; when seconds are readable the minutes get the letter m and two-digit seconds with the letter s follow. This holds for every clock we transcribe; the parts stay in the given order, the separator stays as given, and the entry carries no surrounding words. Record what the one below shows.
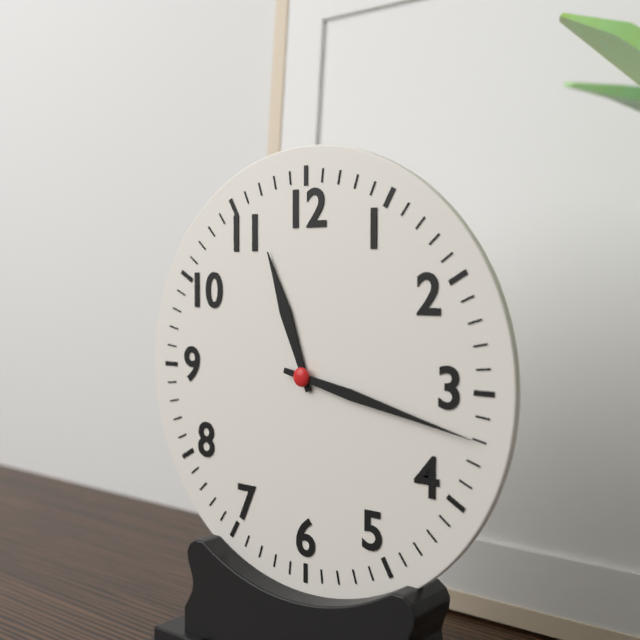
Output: 11h17
